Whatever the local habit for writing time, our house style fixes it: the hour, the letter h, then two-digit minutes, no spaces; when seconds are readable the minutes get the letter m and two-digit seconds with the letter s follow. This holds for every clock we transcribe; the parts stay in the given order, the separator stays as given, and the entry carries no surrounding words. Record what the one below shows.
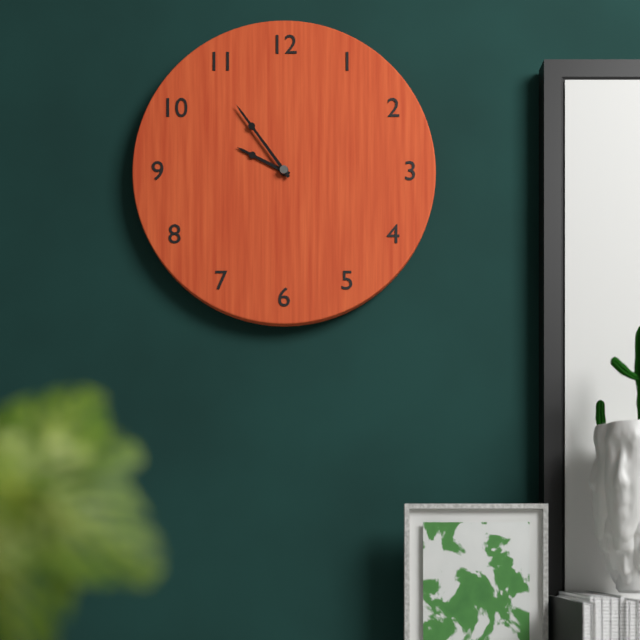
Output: 9h54
